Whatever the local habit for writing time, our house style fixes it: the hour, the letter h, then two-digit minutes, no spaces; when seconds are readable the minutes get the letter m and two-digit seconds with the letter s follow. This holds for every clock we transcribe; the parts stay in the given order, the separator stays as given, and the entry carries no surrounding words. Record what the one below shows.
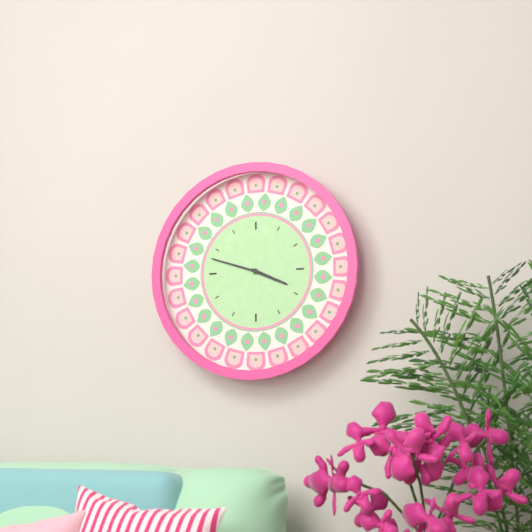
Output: 3h48
